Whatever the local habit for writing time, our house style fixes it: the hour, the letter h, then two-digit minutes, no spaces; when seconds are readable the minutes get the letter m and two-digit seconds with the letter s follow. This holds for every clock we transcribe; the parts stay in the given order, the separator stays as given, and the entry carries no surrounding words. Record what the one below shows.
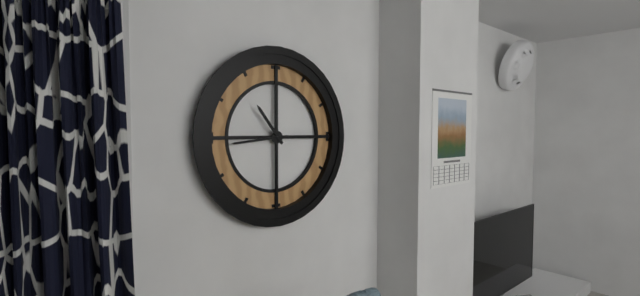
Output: 10h44
